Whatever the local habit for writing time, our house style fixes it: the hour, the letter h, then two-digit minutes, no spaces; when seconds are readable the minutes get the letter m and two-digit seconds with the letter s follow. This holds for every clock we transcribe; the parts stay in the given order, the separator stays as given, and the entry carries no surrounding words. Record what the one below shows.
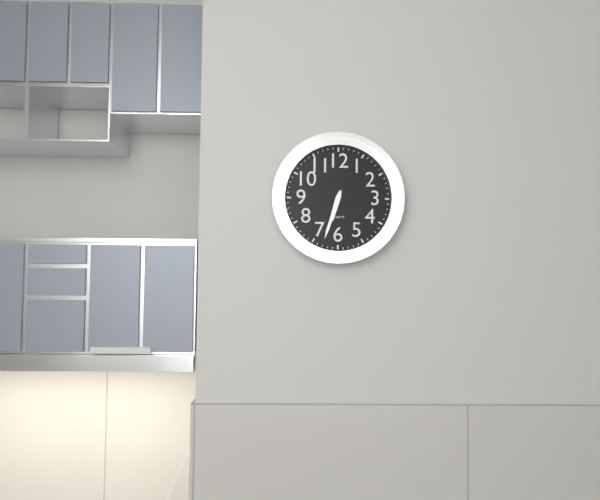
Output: 6h33
